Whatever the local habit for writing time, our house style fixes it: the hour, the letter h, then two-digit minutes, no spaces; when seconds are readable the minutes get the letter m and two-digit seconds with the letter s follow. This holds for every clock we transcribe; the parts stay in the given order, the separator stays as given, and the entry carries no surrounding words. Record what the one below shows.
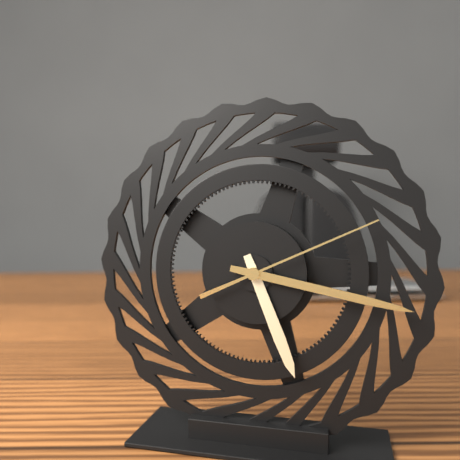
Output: 5h17m11s
